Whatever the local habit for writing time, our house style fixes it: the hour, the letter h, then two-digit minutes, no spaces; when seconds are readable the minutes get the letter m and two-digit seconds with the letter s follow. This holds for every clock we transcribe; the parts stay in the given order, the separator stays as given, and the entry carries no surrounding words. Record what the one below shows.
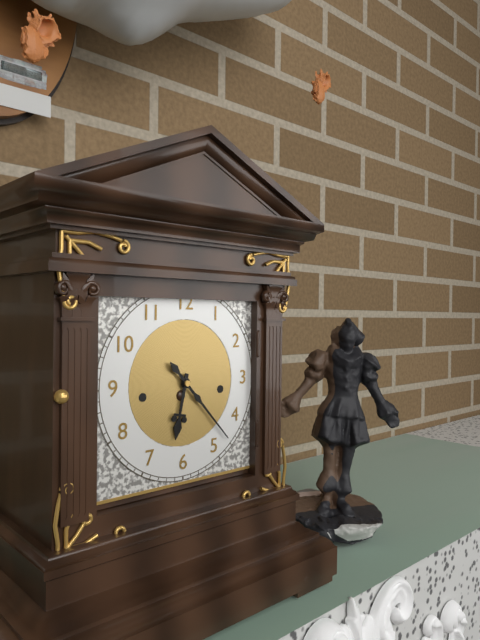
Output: 6h23
